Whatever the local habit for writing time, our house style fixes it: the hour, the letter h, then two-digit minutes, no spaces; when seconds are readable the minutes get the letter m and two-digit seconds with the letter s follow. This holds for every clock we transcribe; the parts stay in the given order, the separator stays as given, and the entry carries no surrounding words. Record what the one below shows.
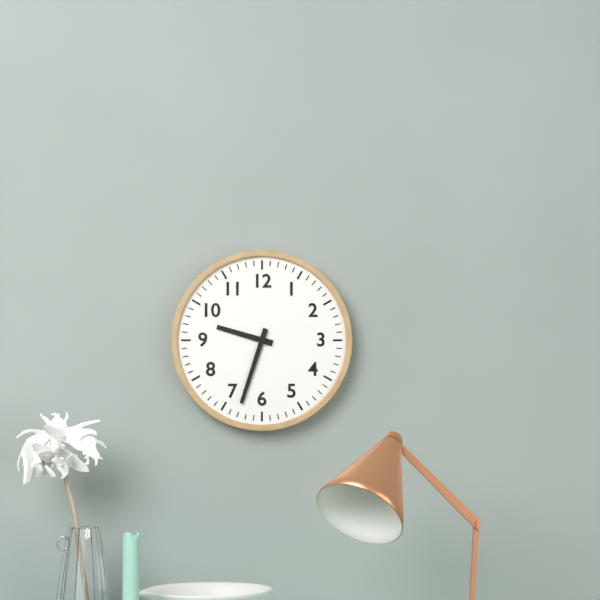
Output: 9h33
